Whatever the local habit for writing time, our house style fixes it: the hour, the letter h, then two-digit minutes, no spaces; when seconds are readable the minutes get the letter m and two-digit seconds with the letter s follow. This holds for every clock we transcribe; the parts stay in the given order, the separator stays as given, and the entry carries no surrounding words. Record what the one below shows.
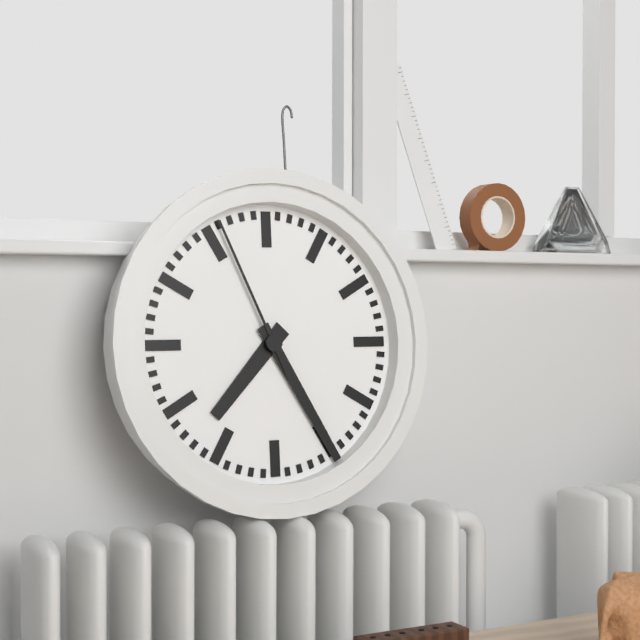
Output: 7h25m56s
